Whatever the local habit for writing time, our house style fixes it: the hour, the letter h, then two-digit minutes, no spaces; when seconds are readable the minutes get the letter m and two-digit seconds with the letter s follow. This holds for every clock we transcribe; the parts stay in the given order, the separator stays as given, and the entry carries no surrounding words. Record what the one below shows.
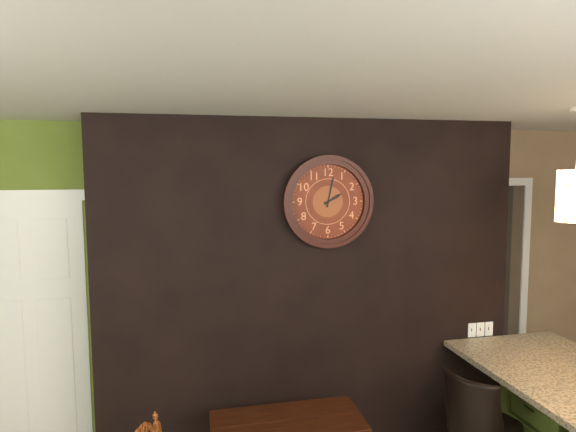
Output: 2h02
